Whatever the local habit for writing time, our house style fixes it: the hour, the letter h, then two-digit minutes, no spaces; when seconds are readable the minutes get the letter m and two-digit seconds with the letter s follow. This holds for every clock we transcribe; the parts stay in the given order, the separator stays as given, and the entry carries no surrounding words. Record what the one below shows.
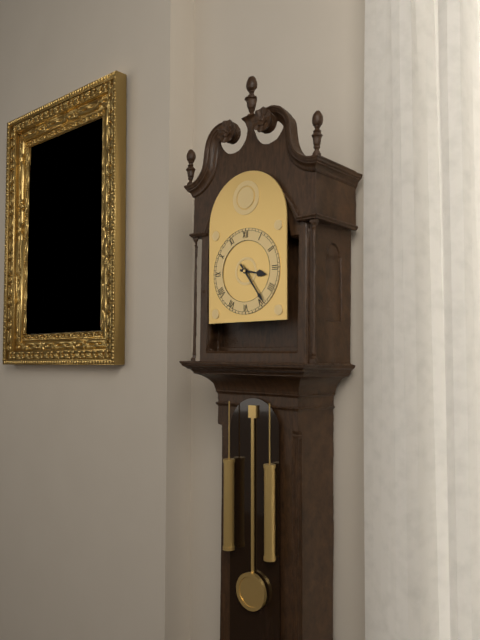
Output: 3h24
